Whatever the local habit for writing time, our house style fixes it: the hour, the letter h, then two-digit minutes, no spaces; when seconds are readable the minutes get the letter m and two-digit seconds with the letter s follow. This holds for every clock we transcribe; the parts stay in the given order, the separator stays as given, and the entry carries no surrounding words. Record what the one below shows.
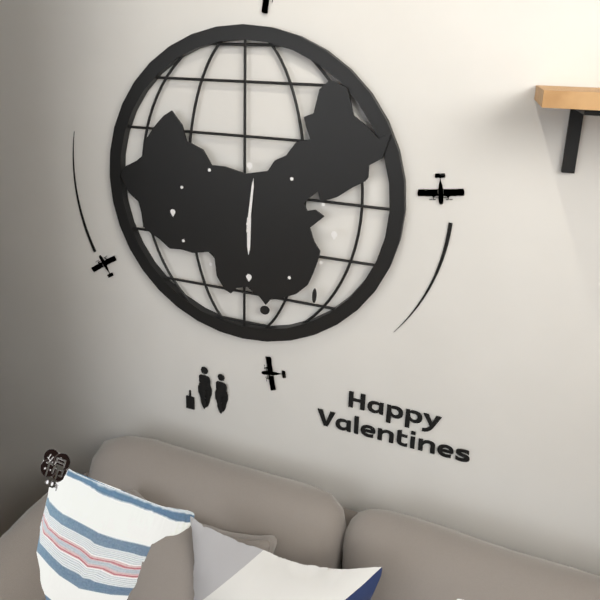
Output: 6h01
